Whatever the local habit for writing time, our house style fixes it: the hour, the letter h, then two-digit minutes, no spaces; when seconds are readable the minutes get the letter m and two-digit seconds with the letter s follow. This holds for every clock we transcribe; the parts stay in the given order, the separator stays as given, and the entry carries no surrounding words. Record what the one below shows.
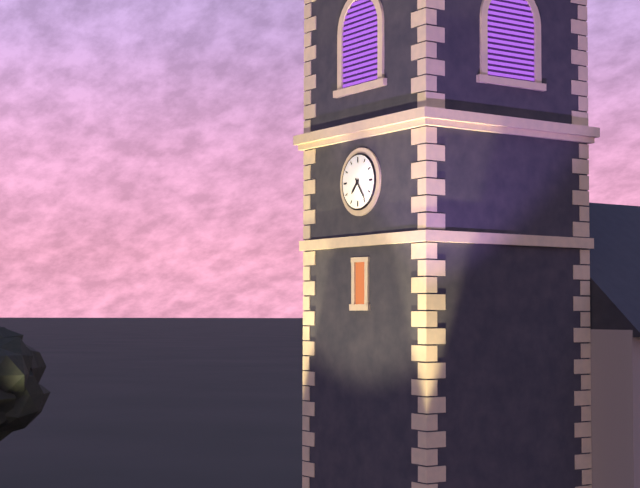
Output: 7h24
